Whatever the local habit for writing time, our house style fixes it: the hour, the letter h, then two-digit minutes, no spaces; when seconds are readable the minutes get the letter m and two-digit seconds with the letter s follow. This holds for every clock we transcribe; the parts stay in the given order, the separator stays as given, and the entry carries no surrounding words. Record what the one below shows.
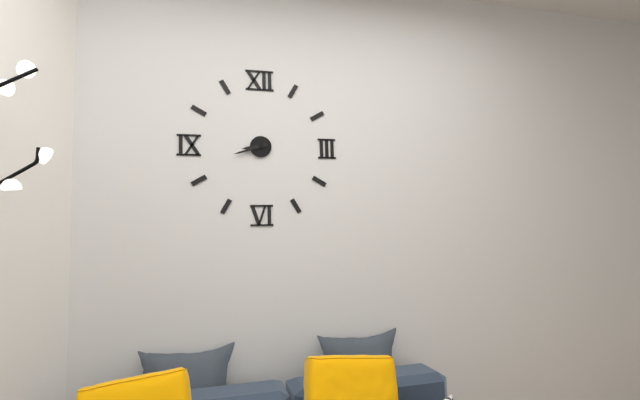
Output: 8h42
